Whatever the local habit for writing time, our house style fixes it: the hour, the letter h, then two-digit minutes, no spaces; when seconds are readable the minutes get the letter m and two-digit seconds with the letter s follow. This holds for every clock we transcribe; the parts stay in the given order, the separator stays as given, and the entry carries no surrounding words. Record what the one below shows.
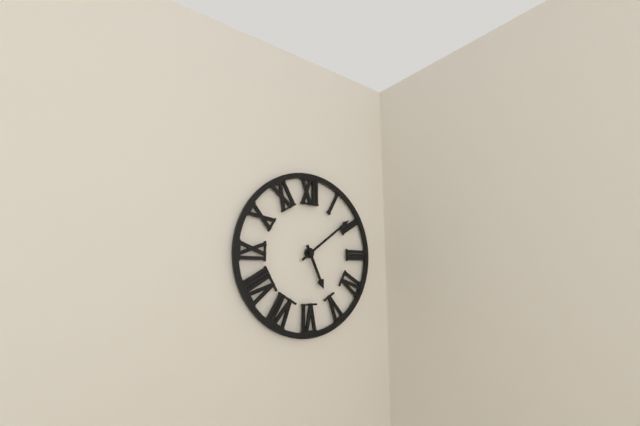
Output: 5h09
